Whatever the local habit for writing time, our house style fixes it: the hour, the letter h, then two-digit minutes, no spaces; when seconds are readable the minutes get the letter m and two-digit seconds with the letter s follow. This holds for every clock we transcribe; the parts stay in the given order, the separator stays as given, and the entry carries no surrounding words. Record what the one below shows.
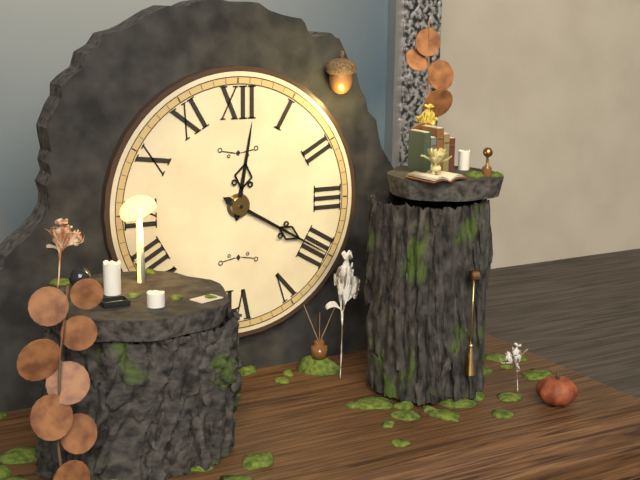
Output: 12h20
